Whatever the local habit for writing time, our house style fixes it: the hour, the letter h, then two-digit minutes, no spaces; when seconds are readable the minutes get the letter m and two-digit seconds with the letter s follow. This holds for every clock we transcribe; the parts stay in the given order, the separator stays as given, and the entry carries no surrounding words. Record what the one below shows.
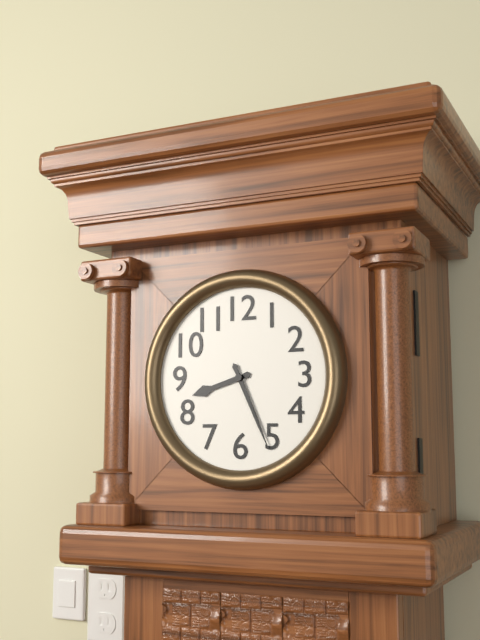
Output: 8h26
